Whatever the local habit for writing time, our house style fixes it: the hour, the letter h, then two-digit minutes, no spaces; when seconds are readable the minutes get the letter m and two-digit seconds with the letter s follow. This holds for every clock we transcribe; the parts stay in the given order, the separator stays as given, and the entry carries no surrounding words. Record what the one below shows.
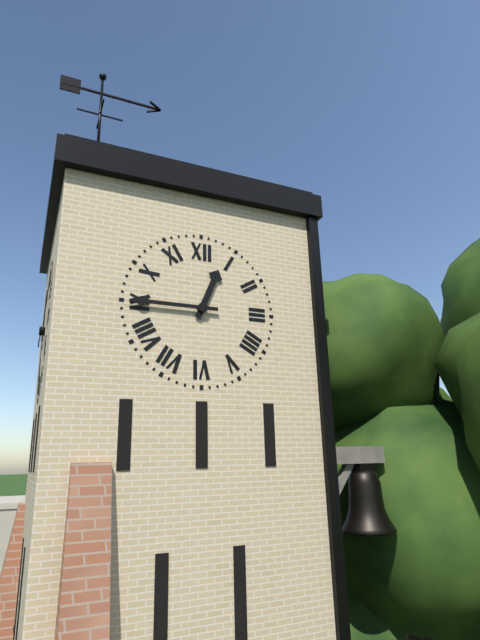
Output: 12h45
